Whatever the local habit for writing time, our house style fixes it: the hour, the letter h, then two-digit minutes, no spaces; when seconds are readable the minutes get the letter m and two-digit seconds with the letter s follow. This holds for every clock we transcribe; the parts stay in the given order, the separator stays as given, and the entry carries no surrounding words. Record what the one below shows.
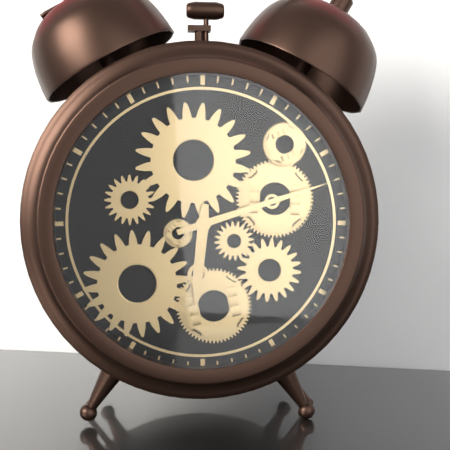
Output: 6h12
